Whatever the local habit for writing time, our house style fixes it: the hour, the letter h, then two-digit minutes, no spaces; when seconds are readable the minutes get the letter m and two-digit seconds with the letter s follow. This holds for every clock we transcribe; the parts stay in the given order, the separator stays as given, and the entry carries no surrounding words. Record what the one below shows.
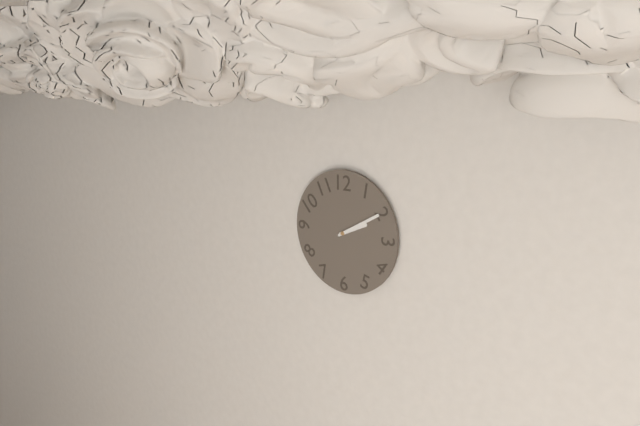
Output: 2h10
